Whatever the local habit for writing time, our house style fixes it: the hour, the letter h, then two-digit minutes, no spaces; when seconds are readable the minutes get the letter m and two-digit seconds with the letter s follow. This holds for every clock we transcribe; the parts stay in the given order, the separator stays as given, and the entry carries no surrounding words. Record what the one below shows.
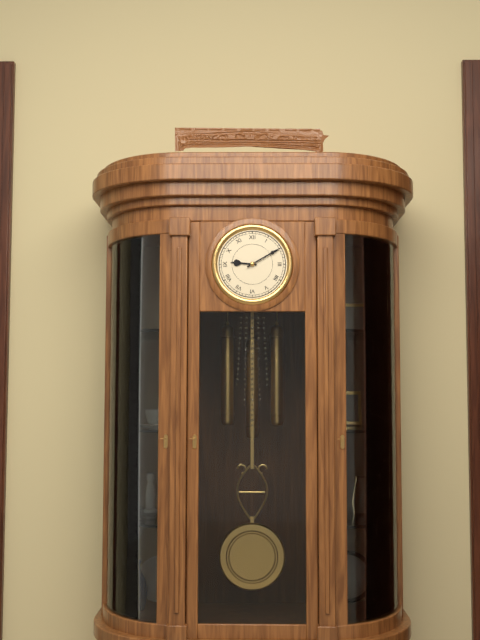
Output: 9h10
